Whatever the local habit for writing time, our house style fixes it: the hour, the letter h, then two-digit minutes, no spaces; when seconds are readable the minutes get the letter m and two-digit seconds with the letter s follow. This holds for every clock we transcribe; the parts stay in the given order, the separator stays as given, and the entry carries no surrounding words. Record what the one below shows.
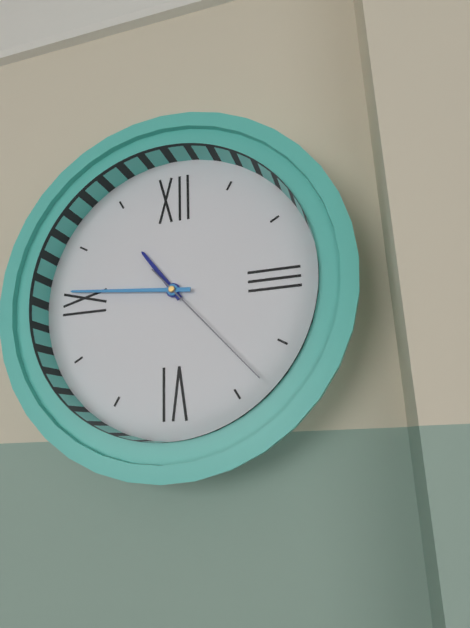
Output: 10h46m23s
